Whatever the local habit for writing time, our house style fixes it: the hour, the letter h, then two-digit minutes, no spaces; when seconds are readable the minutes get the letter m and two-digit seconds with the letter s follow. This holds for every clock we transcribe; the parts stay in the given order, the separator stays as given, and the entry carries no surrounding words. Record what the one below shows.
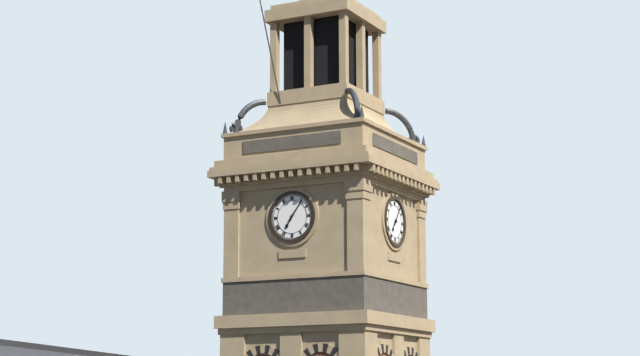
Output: 7h06
